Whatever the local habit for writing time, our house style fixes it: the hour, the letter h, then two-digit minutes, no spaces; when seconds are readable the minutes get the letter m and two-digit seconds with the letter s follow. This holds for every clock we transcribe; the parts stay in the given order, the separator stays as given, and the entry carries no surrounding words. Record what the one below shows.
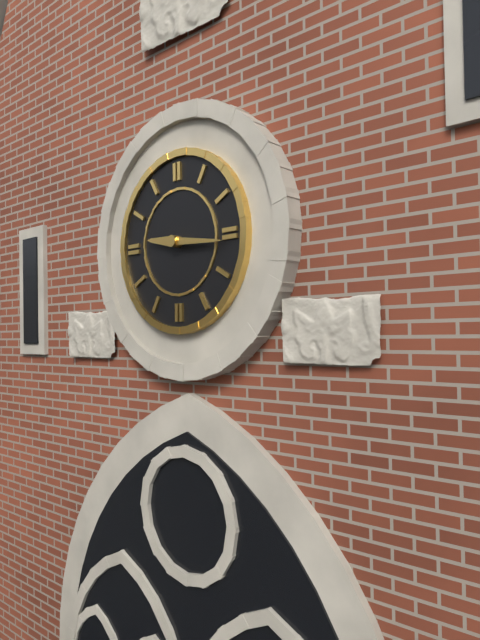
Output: 9h16
